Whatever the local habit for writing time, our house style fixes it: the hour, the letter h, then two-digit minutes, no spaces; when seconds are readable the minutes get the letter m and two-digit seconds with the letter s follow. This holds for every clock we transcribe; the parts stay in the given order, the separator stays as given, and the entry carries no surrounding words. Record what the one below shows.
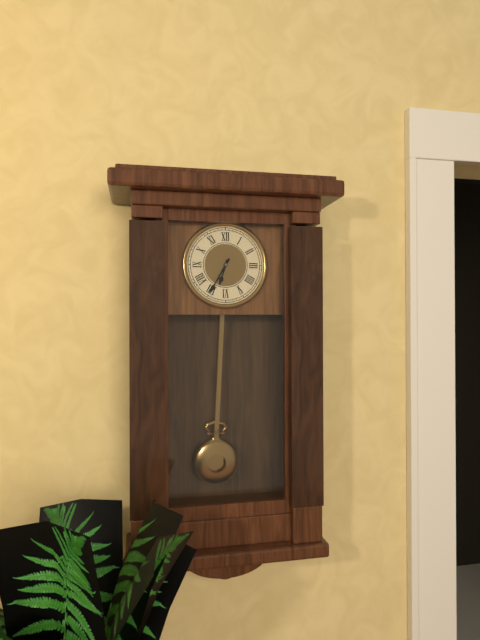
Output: 6h35
